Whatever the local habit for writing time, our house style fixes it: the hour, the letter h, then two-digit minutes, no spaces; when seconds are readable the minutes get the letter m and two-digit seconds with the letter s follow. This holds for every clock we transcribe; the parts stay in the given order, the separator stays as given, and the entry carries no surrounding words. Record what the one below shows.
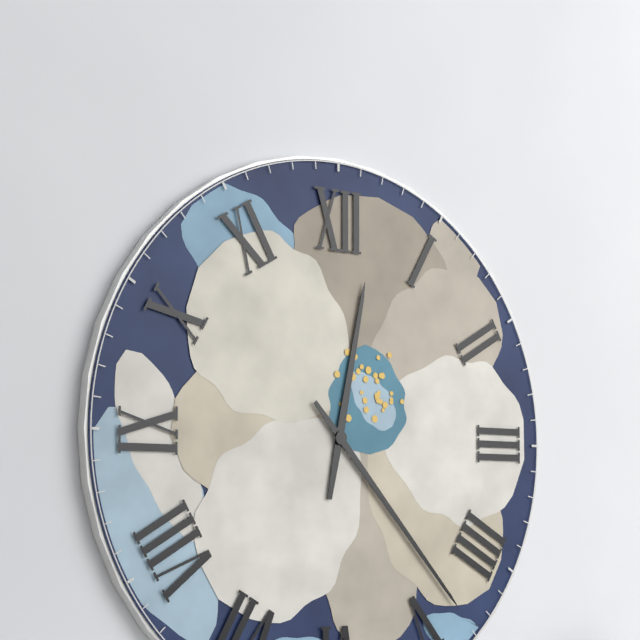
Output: 12h23
